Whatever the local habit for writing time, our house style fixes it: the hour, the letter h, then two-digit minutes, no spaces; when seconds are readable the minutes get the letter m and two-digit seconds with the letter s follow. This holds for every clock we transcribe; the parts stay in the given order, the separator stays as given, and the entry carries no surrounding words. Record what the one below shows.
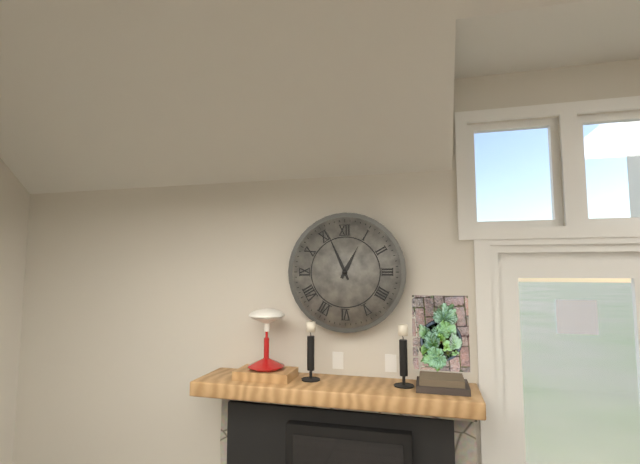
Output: 12h56
